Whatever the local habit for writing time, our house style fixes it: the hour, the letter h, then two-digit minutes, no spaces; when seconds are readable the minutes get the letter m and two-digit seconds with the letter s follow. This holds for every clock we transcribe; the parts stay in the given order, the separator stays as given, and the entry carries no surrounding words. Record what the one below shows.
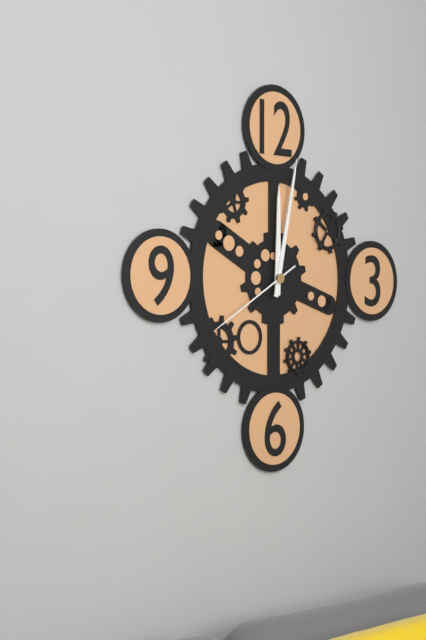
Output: 12h02m40s
